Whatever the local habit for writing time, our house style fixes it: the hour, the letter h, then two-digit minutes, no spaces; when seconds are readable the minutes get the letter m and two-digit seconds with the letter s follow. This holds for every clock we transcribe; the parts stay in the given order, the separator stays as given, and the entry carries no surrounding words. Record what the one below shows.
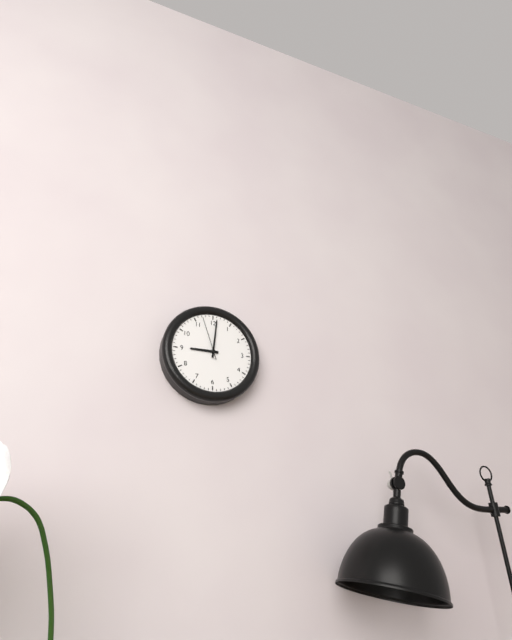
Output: 9h01
